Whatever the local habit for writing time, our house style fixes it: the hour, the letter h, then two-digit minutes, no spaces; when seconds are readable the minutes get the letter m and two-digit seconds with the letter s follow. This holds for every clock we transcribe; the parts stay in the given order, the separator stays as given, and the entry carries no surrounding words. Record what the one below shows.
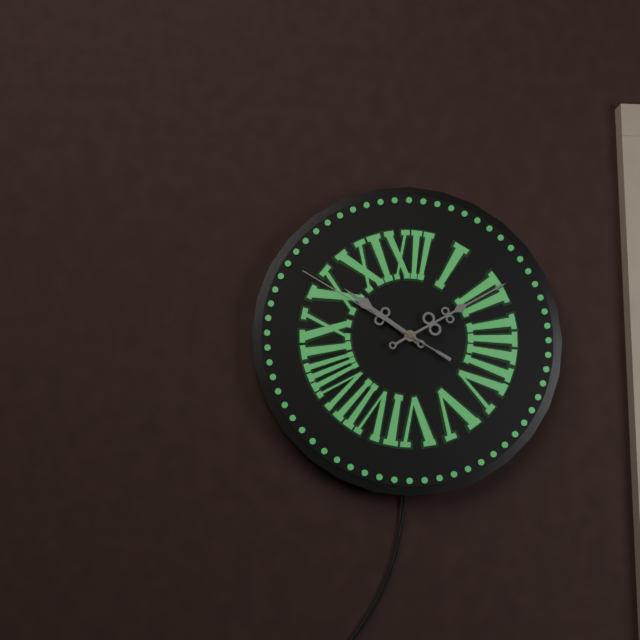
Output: 10h10m50s
